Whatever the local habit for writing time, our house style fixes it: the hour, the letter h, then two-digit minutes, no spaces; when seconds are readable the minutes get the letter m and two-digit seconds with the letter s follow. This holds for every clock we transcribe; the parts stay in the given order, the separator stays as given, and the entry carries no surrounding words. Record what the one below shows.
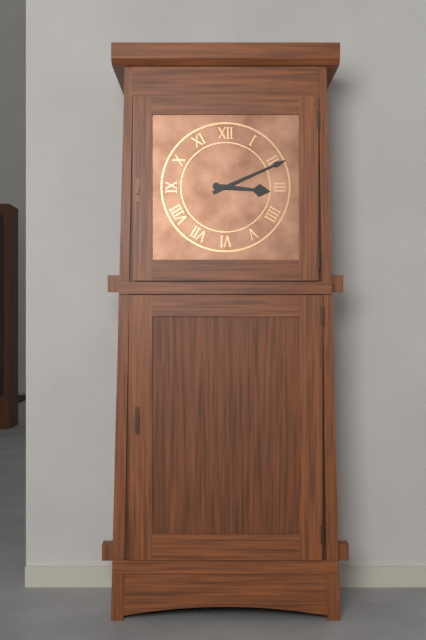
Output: 3h11
